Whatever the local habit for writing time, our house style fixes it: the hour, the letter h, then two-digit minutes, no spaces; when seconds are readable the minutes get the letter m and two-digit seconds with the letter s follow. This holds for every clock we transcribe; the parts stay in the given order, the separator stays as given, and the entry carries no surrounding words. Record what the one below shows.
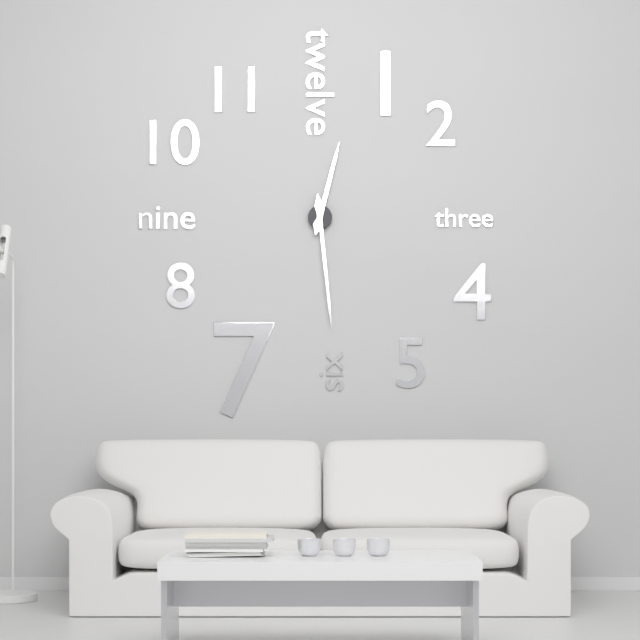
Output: 12h29
